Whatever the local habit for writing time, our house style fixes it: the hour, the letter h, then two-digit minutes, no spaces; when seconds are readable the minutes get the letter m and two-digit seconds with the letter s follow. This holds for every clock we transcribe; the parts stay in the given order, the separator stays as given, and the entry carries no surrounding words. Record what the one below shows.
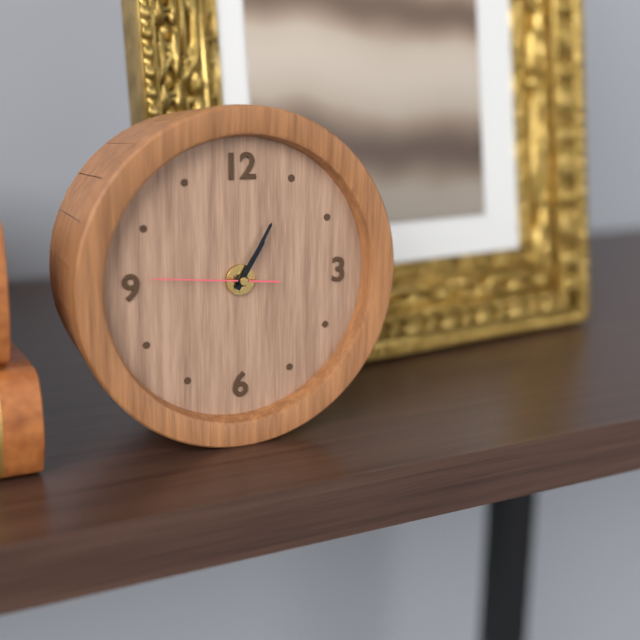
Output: 1h05m46s
